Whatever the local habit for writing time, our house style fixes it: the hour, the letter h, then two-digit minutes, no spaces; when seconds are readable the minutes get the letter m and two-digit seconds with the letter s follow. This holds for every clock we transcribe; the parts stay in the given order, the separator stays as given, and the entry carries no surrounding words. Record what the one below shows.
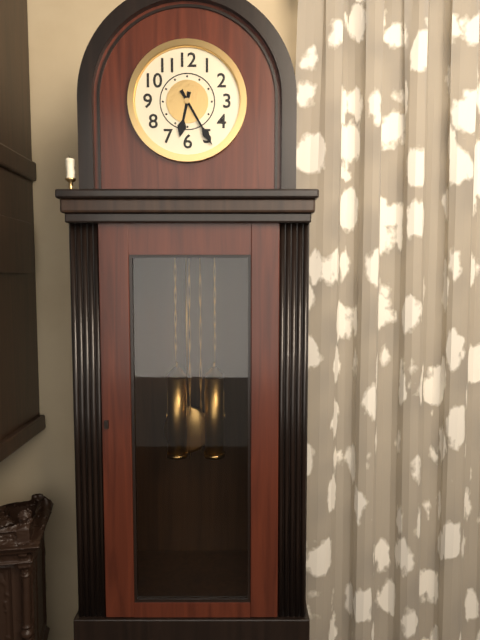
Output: 6h25
